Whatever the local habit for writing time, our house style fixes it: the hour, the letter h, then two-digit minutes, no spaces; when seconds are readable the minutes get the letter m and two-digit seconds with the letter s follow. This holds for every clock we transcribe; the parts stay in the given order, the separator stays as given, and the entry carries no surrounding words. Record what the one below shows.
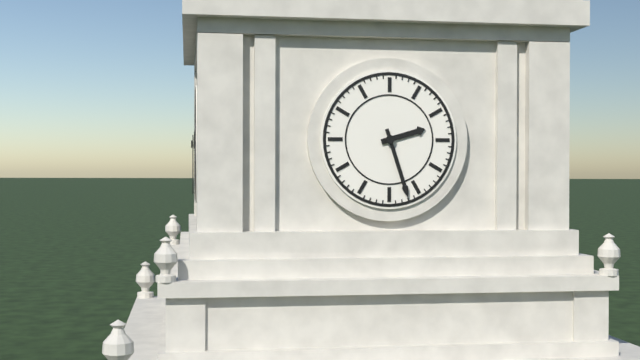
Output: 2h27
